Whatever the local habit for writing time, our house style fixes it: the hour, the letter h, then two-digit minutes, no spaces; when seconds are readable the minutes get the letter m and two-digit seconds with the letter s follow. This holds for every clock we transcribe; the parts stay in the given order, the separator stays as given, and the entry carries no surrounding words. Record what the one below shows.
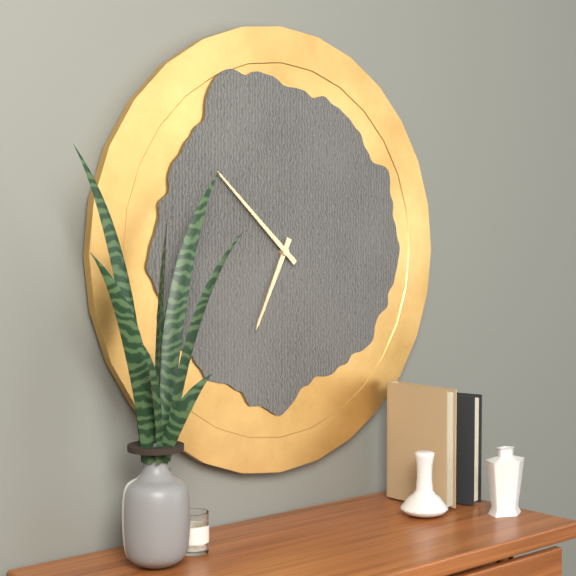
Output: 6h52
